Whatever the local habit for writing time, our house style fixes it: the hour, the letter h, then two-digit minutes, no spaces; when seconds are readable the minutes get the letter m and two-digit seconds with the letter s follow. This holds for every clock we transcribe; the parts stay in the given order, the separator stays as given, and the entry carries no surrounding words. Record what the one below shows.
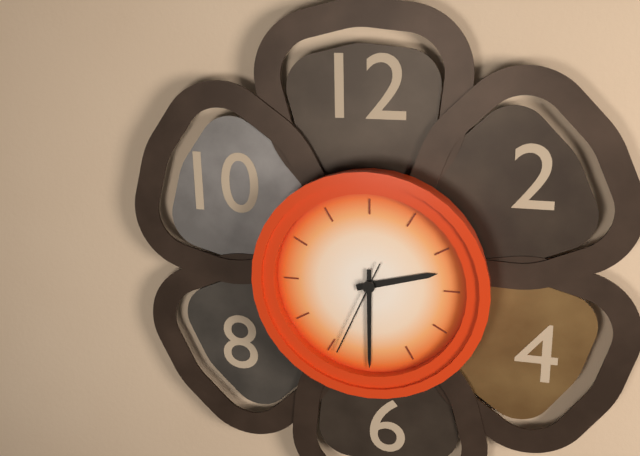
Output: 2h30m34s
